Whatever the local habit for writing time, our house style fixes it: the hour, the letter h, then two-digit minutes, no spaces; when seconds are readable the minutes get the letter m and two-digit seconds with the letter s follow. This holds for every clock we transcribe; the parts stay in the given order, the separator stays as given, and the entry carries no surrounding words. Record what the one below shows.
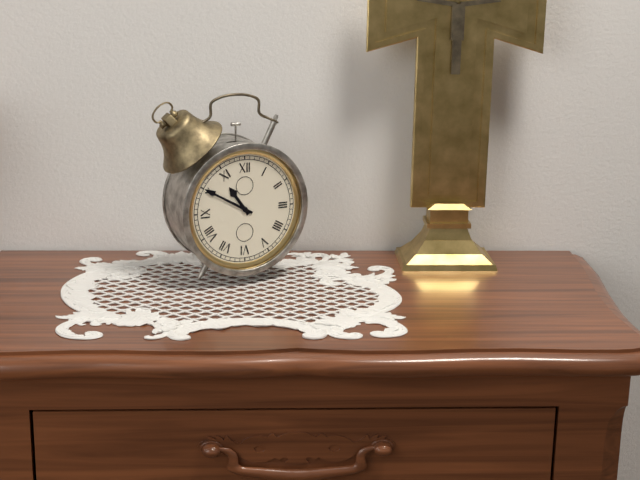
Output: 10h50
